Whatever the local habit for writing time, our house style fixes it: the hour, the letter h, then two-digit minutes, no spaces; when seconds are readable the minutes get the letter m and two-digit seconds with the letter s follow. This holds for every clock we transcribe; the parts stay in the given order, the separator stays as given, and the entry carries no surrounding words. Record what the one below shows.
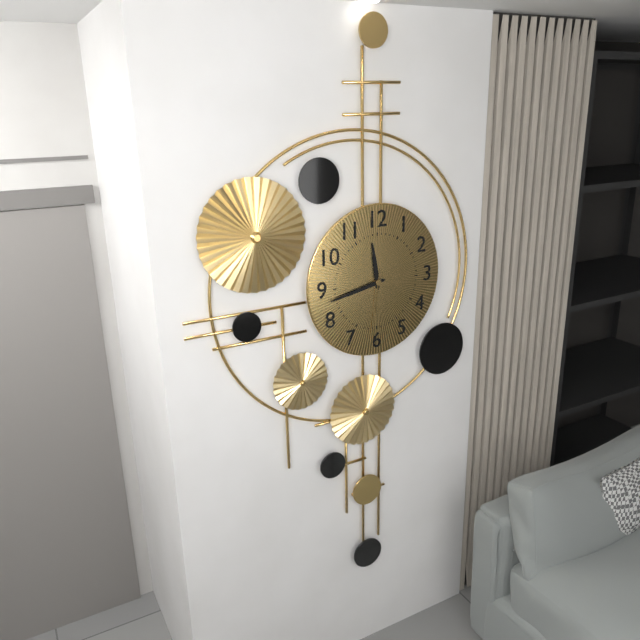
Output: 11h43m31s
